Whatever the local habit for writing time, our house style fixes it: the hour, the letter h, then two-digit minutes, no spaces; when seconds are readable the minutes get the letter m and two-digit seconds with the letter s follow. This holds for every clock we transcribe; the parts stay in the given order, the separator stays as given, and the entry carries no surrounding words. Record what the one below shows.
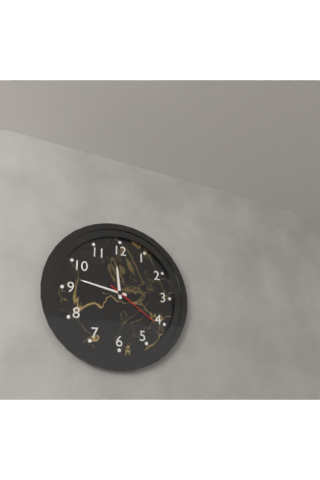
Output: 11h47m21s
